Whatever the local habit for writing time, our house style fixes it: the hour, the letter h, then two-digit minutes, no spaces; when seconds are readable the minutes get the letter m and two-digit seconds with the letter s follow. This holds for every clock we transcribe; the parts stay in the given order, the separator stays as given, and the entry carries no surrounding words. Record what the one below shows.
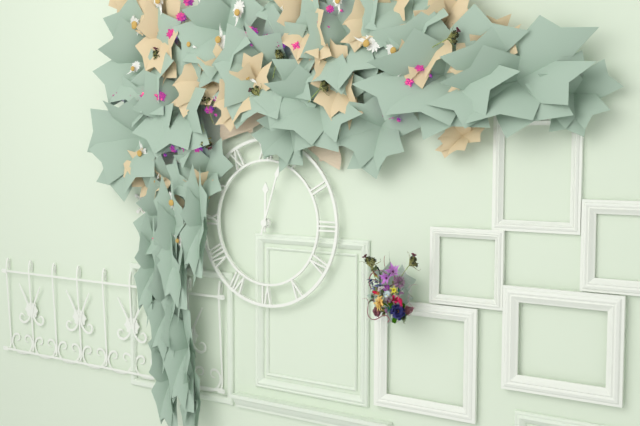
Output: 12h03
